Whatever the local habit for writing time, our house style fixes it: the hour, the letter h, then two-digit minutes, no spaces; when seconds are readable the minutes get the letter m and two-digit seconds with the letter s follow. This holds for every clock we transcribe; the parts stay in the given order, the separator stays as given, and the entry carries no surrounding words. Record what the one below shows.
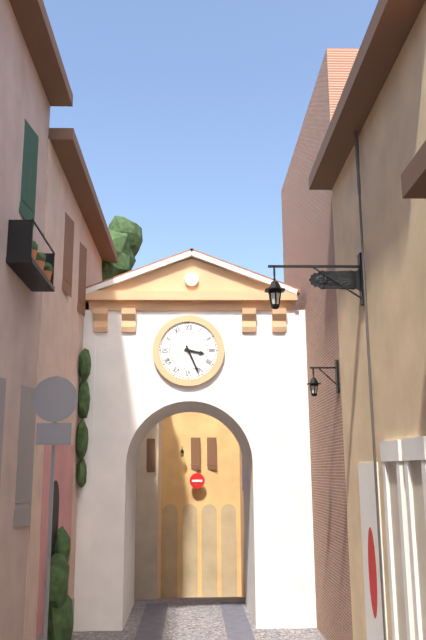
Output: 3h26
